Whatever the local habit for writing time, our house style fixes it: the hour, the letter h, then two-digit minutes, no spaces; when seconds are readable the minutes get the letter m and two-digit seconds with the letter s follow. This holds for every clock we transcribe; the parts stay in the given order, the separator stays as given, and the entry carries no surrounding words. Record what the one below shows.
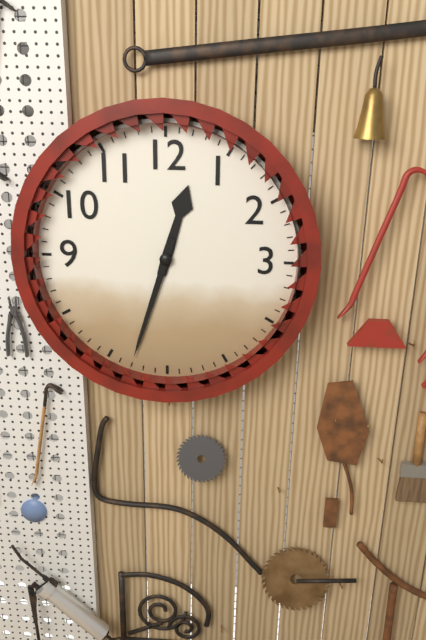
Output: 12h33
